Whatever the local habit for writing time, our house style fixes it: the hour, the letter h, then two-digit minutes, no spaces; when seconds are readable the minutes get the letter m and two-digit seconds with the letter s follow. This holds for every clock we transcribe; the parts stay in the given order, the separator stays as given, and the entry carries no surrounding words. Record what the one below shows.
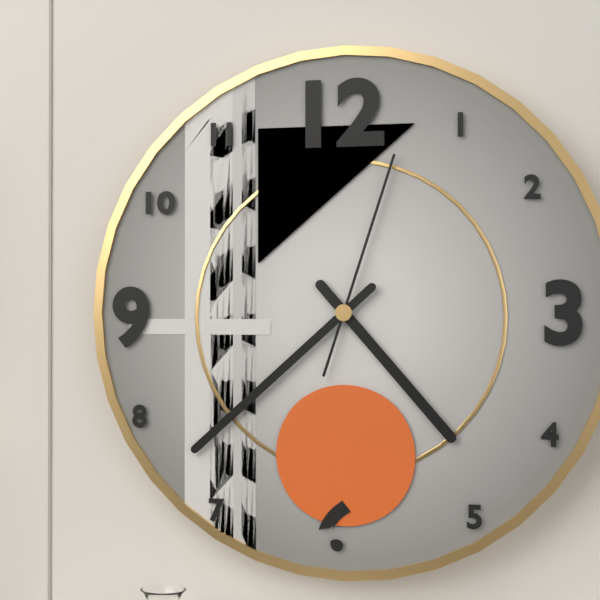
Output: 4h38m03s
